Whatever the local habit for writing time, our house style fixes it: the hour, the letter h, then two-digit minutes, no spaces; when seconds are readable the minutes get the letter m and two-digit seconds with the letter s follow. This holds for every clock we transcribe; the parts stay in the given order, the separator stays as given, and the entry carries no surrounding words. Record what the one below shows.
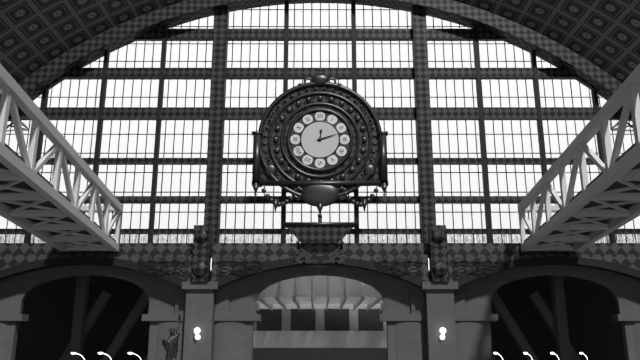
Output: 12h12
